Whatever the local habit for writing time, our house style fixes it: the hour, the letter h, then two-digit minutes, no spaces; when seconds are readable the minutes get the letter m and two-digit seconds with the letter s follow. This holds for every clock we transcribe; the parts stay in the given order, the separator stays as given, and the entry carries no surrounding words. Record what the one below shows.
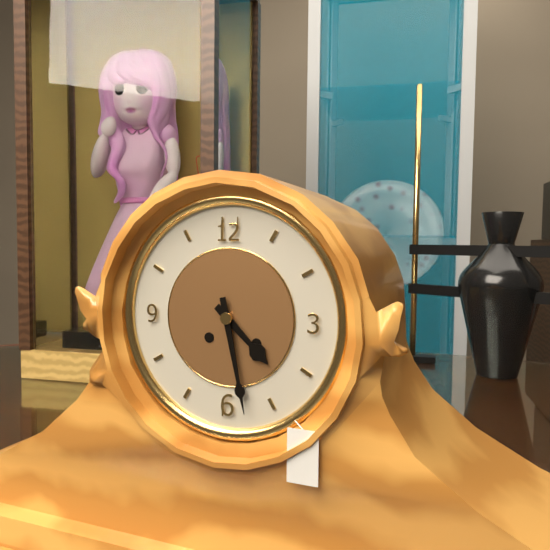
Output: 4h28
